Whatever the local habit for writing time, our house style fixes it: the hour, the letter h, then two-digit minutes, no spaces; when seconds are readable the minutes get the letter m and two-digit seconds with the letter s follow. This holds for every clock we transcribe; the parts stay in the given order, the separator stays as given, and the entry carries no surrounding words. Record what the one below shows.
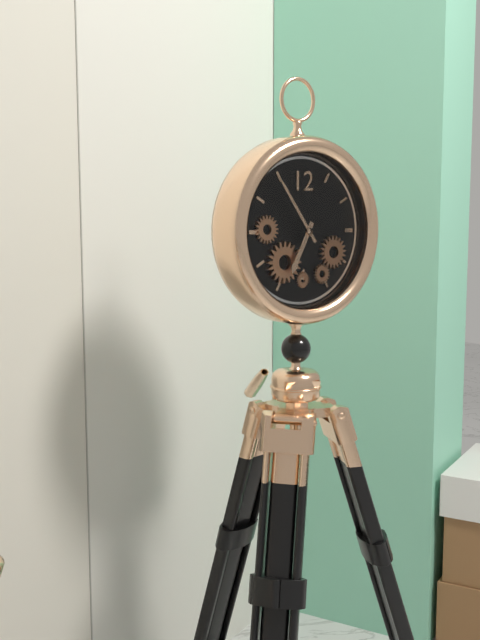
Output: 6h54
